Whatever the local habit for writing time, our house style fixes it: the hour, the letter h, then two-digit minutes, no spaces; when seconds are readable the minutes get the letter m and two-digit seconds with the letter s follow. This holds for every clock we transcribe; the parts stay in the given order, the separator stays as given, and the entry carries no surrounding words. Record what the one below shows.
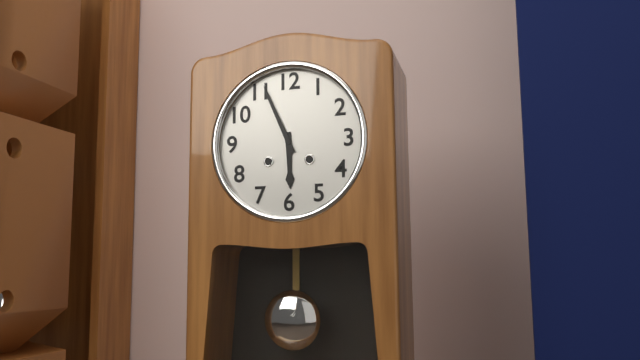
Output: 5h56
